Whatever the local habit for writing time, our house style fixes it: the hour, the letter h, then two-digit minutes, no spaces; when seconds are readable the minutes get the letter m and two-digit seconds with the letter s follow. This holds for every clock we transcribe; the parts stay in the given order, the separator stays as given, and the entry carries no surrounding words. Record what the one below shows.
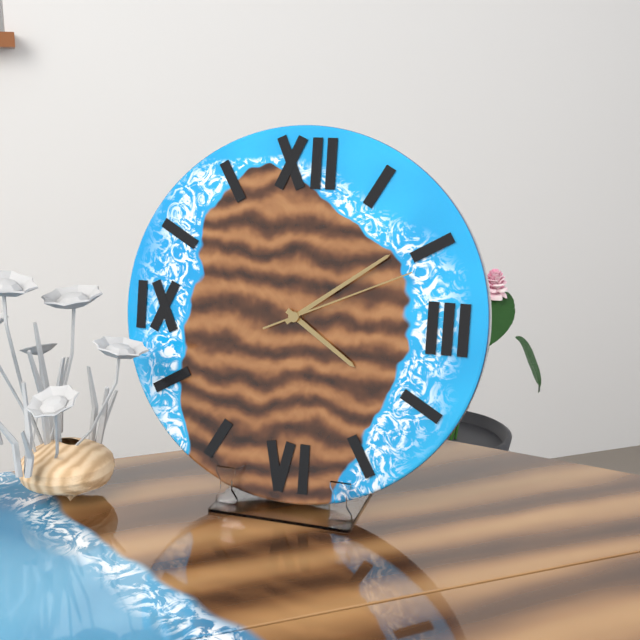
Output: 4h09m11s
